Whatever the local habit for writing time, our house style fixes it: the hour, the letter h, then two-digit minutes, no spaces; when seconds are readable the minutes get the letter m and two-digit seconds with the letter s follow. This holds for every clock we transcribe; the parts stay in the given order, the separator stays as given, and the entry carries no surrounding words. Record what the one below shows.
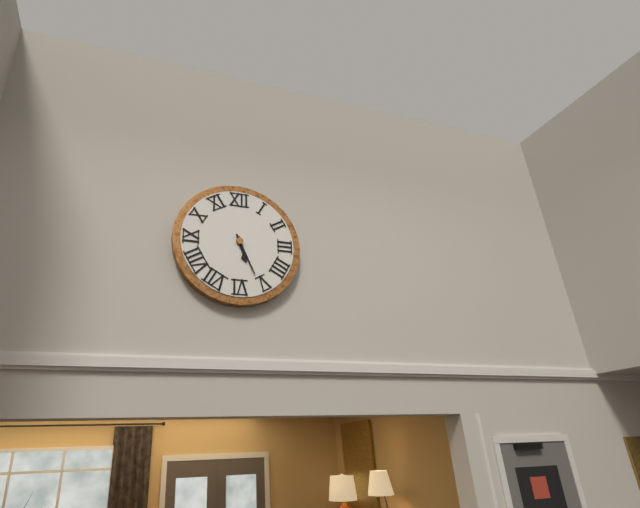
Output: 5h26
